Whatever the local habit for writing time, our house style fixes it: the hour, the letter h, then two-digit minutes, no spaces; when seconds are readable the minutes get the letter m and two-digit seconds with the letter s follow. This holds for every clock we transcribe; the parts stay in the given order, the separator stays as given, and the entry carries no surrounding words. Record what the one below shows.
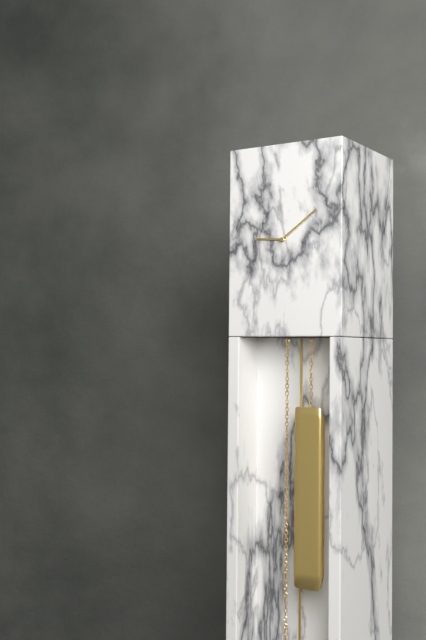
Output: 9h09
